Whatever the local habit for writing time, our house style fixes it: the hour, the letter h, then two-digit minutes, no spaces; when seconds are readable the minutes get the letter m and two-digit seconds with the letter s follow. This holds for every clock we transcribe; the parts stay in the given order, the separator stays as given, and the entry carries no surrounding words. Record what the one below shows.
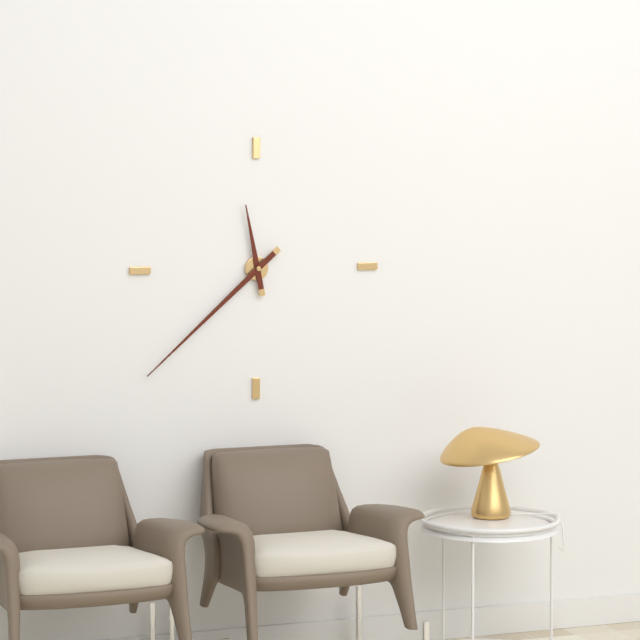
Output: 11h38
